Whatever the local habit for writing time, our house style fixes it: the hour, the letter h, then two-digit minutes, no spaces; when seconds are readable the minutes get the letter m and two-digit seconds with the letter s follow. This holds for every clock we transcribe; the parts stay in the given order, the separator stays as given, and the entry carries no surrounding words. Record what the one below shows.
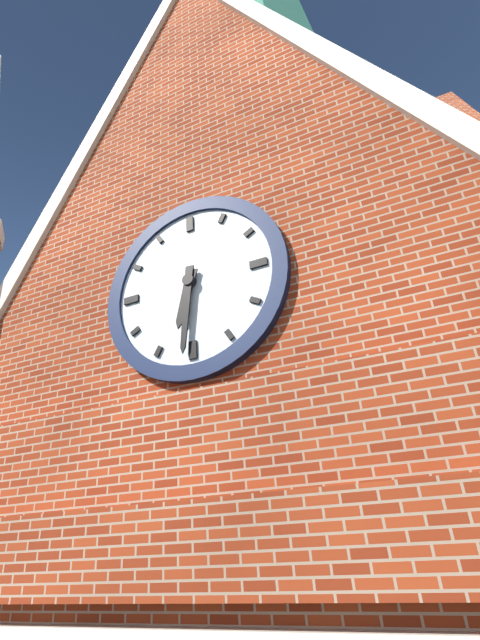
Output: 6h31
